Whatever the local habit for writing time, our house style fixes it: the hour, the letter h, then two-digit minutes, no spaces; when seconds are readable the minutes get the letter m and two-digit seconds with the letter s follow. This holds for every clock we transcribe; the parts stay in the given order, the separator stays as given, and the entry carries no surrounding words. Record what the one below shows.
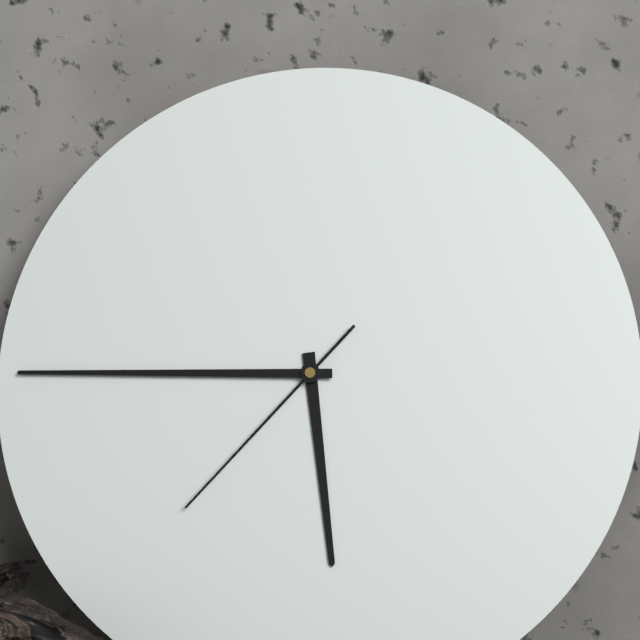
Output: 5h45m37s
